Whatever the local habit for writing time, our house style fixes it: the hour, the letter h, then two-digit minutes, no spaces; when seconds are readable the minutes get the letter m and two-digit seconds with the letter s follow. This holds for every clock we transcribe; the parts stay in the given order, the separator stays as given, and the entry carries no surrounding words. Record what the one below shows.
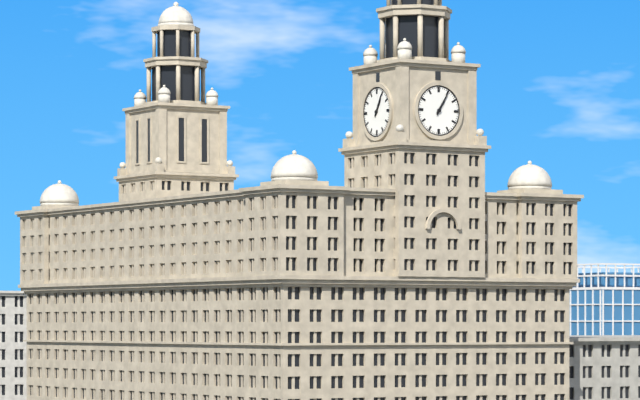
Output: 1h05
